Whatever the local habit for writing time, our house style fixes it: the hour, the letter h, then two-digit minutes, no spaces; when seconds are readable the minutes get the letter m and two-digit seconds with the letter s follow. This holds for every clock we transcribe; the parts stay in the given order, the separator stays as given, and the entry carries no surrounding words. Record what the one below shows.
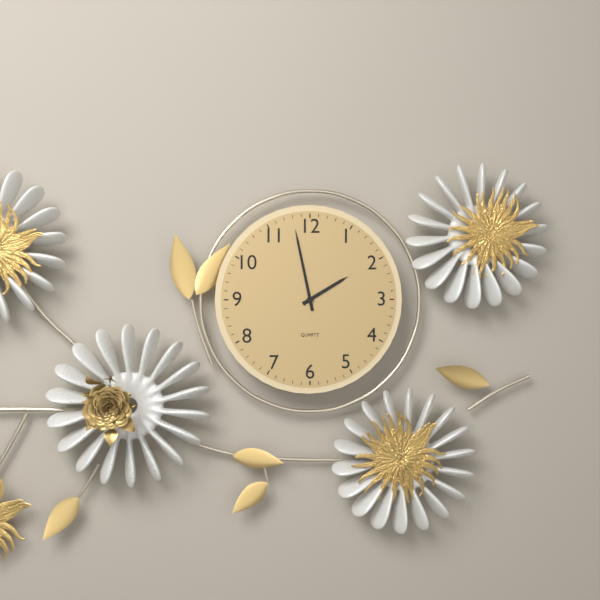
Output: 1h58
